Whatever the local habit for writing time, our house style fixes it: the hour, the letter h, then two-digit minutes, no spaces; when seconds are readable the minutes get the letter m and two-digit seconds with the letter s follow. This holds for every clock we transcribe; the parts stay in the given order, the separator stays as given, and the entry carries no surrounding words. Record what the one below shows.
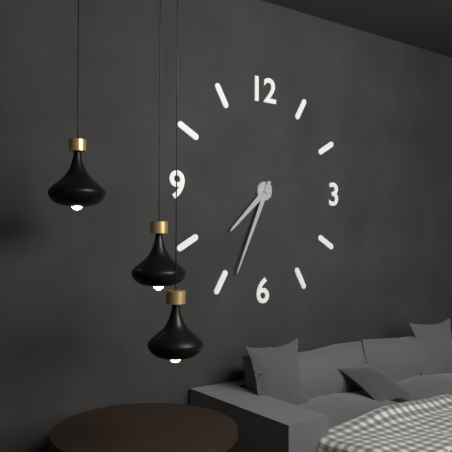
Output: 7h34
